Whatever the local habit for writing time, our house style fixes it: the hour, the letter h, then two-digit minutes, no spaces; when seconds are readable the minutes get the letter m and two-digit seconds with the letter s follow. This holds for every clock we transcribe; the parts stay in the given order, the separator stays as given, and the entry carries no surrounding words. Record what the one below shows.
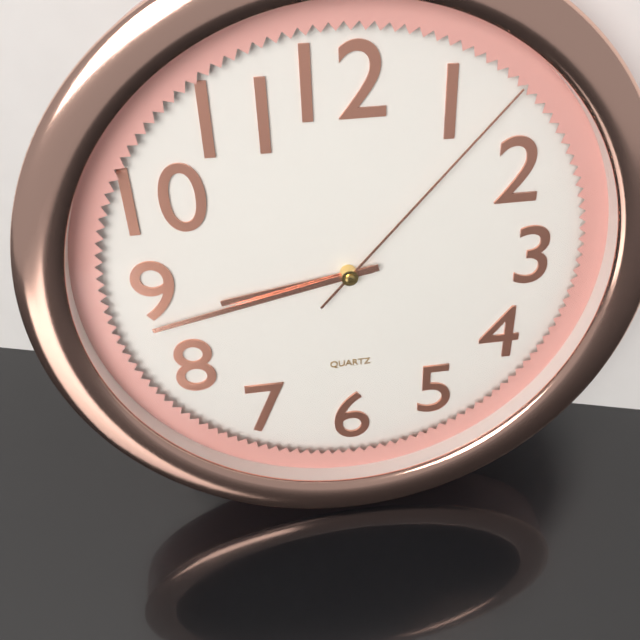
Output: 8h43m07s
